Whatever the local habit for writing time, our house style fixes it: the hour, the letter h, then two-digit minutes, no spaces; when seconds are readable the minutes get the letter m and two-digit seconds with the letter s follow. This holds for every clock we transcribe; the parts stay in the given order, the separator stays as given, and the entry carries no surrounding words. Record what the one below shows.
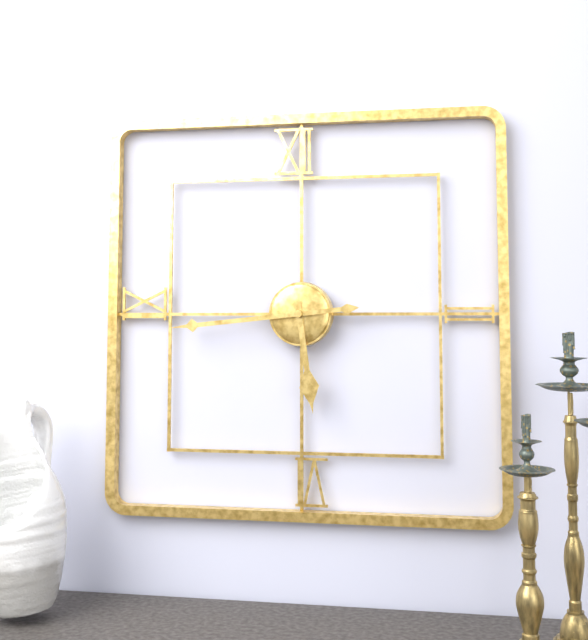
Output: 5h44
